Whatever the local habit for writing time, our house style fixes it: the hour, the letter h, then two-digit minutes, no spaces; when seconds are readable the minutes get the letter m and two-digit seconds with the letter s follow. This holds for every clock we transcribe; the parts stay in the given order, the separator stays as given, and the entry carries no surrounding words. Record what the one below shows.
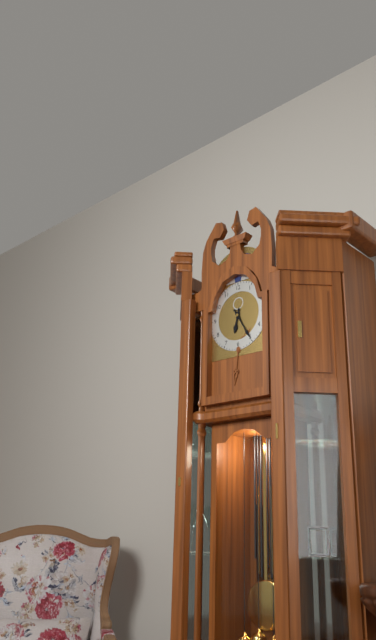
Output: 6h25
